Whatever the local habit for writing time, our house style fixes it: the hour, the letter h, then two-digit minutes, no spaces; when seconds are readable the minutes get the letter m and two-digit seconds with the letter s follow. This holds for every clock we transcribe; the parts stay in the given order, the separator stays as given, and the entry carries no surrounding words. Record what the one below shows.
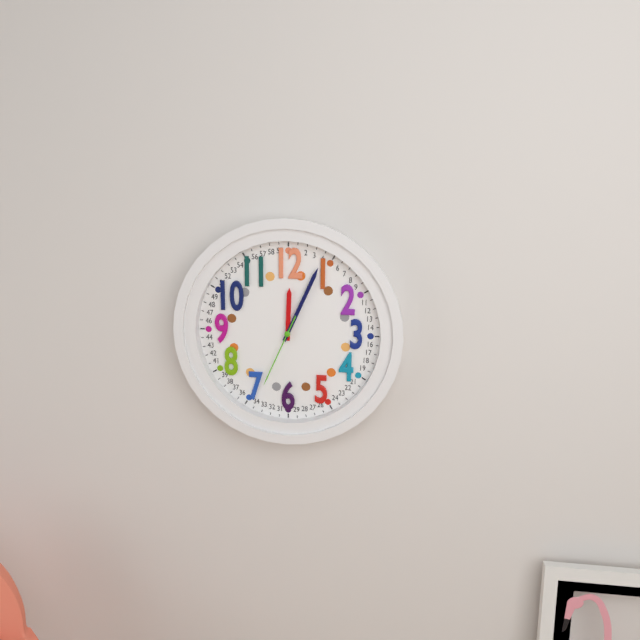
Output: 12h04m34s
